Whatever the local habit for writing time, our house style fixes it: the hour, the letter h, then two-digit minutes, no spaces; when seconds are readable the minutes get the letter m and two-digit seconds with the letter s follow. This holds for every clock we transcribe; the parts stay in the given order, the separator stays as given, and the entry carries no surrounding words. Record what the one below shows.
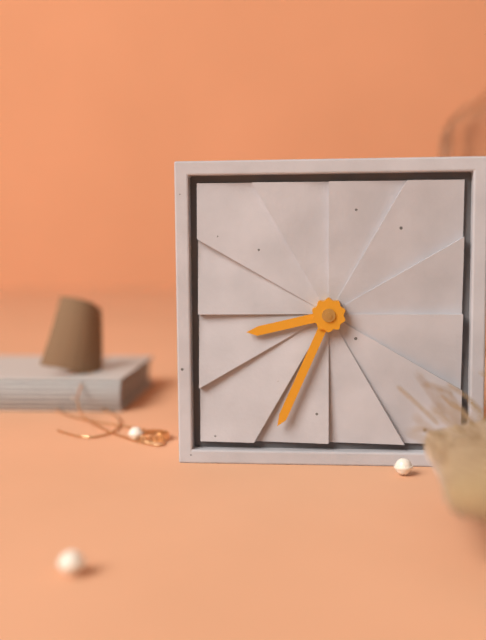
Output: 8h34
